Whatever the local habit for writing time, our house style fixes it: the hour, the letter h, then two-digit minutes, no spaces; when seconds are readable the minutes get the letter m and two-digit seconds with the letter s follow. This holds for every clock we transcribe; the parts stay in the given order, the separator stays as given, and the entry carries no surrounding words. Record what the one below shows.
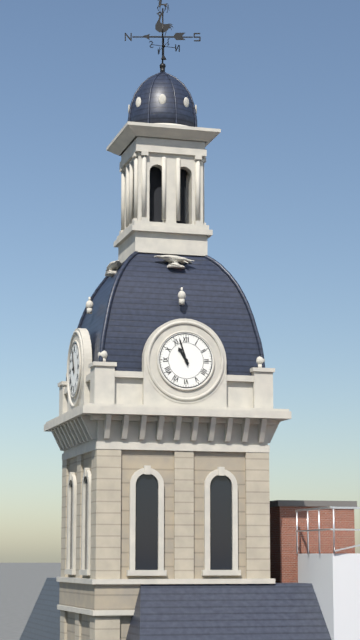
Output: 10h57
